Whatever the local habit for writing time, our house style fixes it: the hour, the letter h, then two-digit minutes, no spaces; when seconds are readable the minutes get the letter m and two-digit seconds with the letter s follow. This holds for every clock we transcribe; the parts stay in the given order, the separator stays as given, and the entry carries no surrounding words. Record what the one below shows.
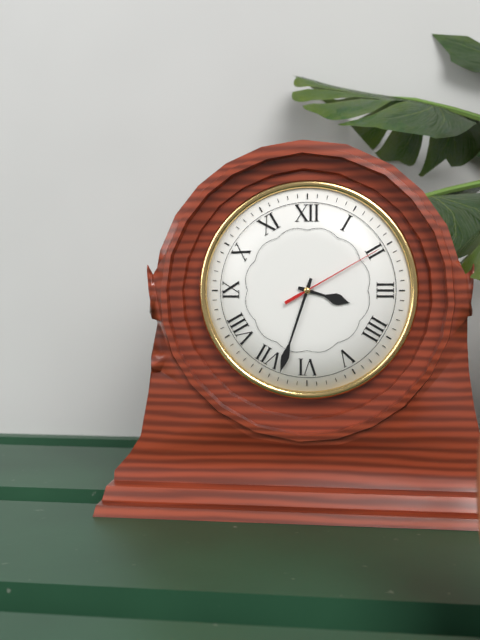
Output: 3h33m10s
